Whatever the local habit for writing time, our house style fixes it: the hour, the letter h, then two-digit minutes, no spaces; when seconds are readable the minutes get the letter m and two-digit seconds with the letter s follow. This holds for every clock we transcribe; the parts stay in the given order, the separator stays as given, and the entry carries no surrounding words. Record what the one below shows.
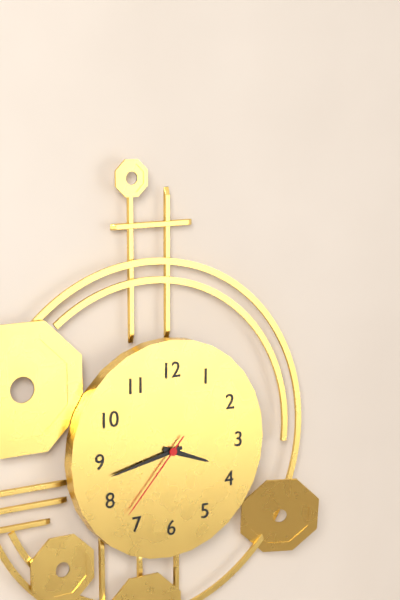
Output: 3h43m37s
